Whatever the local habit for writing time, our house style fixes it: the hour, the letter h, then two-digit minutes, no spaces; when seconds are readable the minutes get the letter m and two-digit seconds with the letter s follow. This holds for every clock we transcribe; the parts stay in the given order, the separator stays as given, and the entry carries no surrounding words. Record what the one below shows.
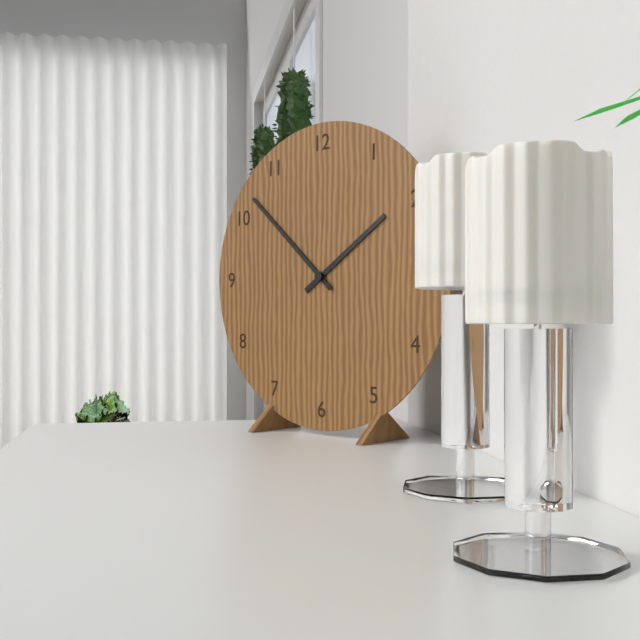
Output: 1h52
